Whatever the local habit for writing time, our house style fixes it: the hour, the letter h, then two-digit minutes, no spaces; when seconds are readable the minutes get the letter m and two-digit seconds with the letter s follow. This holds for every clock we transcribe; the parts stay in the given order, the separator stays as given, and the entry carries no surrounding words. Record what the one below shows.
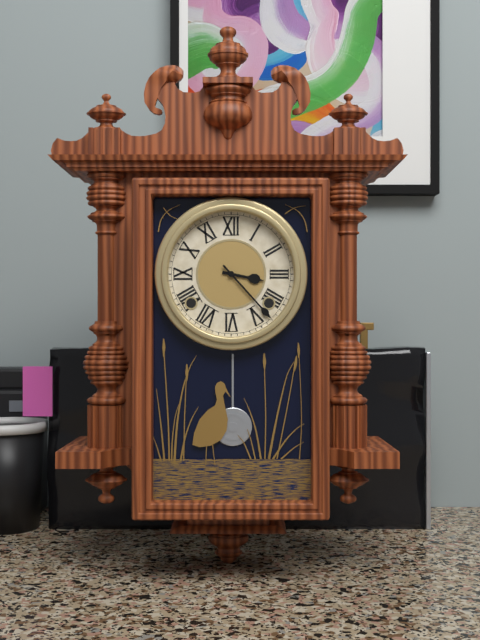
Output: 3h23
